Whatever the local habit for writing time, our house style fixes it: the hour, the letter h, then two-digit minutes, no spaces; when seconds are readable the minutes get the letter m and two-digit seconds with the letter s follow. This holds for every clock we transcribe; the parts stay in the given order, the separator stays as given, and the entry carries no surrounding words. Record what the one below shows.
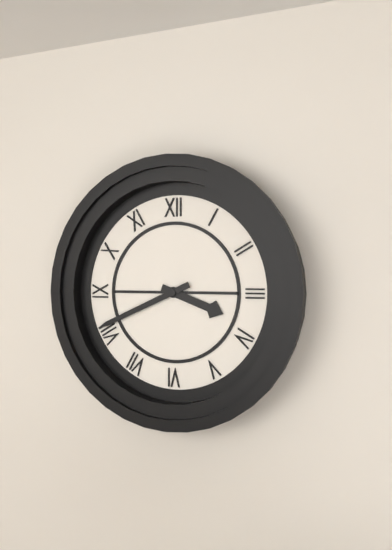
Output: 3h41
